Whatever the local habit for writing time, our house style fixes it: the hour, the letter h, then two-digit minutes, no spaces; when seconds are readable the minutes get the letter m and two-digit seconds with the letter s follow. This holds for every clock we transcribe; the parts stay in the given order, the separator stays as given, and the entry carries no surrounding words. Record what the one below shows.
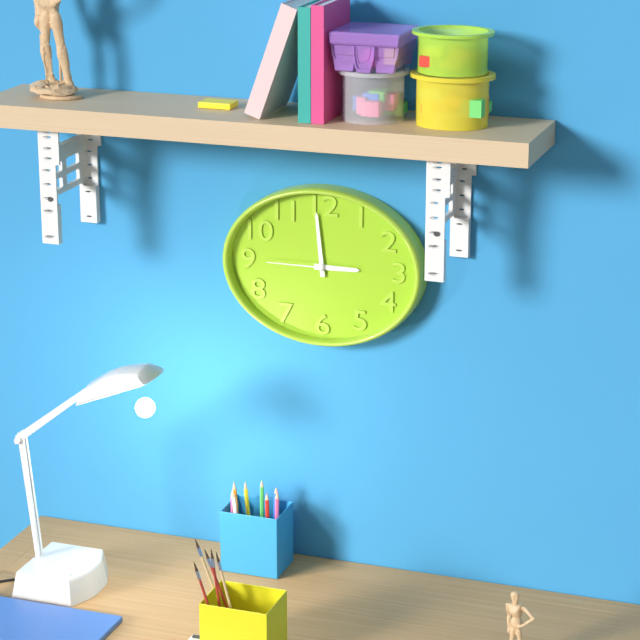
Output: 2h59m45s
